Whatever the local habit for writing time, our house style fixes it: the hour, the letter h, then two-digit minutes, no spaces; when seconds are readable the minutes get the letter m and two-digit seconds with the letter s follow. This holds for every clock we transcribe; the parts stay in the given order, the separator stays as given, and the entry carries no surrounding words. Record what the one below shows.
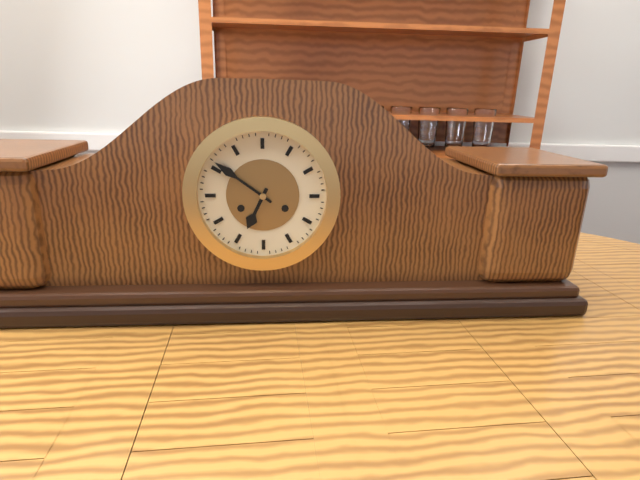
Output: 6h51
